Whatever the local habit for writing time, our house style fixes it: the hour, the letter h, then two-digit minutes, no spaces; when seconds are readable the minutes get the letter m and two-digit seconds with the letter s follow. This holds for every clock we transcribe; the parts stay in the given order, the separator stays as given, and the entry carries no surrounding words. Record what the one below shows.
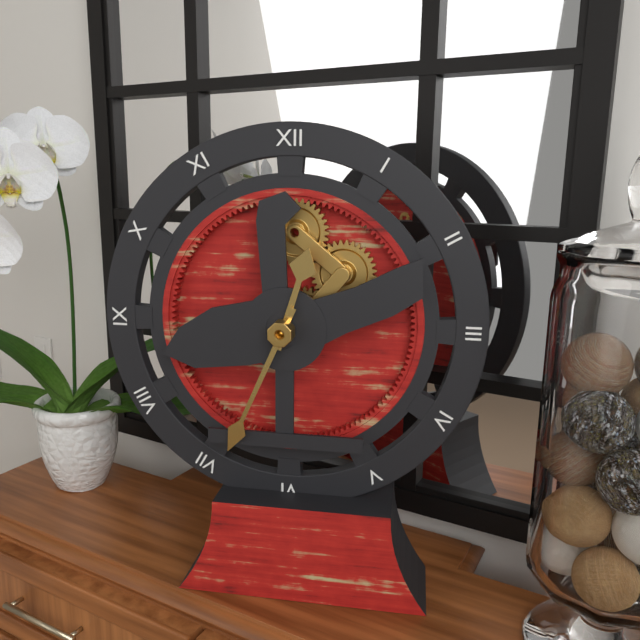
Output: 12h34
